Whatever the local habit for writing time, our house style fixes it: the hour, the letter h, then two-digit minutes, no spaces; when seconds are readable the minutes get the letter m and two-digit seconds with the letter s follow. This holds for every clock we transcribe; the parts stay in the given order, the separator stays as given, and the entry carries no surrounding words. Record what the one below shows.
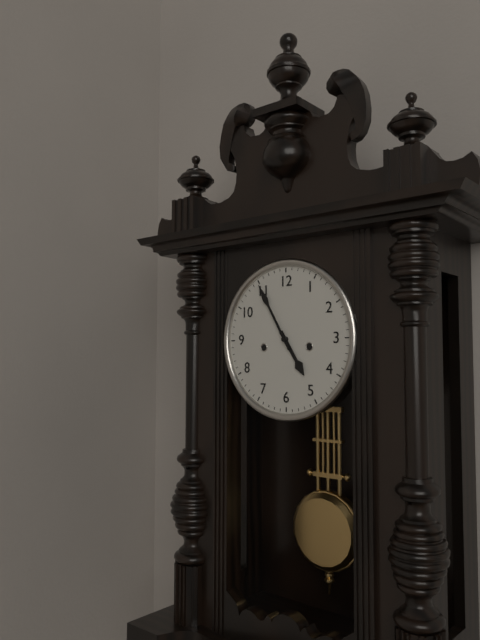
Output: 4h55
